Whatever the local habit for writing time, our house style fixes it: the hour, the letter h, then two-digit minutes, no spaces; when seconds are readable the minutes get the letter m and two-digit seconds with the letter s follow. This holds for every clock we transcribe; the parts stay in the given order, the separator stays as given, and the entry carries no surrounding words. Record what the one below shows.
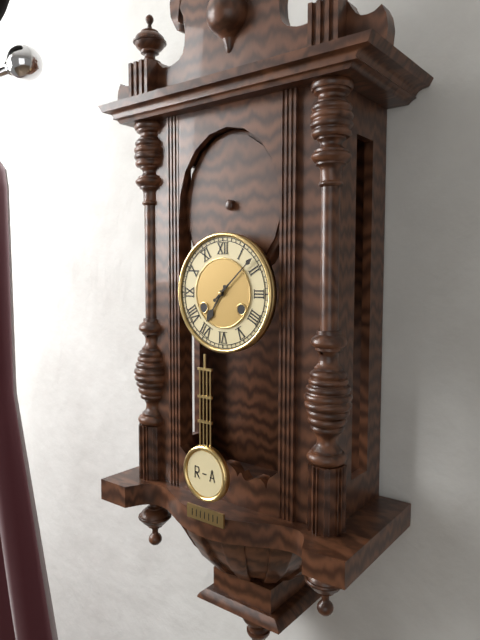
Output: 7h08
